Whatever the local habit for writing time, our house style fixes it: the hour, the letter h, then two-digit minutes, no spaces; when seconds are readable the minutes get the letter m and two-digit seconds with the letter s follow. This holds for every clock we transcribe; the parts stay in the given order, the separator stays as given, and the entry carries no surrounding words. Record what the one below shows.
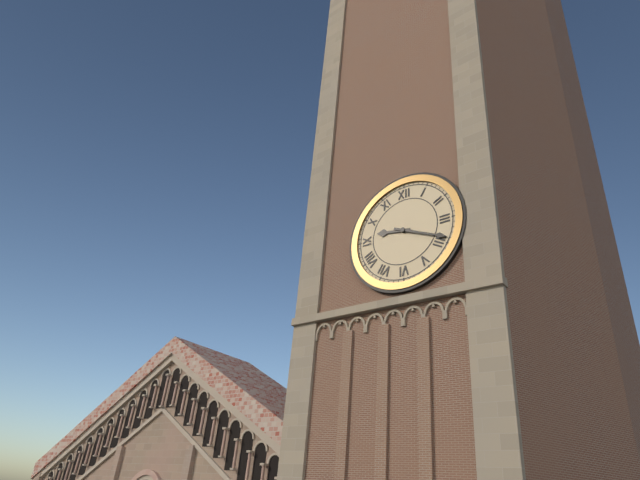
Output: 9h19
